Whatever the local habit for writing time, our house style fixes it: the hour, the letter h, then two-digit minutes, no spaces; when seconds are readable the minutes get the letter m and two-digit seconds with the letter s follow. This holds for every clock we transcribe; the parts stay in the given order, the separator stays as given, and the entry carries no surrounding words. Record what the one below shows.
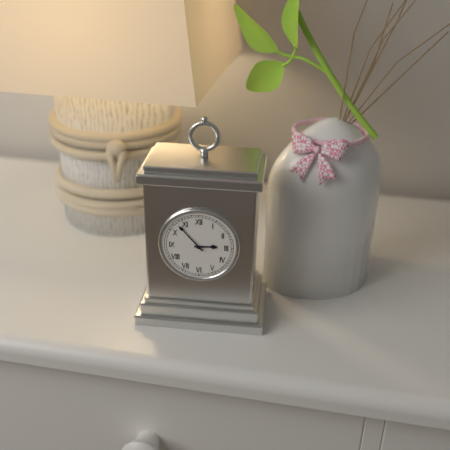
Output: 2h53
